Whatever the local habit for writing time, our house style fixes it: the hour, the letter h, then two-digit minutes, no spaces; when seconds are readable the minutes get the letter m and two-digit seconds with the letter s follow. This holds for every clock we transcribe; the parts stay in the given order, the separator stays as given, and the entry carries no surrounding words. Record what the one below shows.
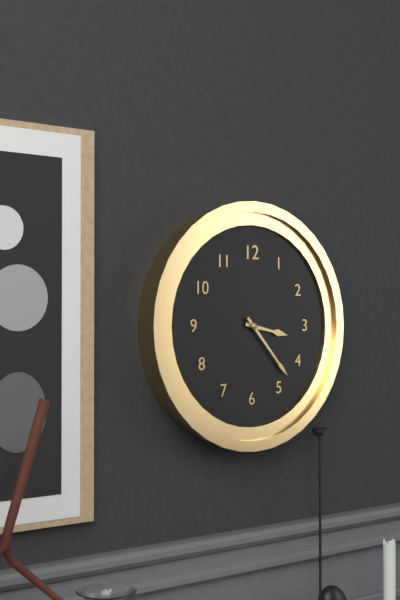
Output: 3h23
